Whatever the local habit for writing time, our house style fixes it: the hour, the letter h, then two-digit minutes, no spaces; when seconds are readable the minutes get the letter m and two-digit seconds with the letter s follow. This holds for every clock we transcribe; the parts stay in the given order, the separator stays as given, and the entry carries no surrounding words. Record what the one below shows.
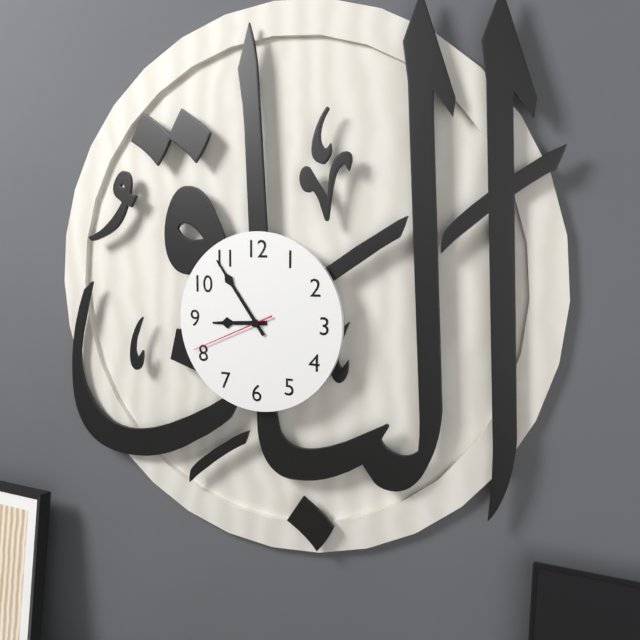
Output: 8h54m41s
